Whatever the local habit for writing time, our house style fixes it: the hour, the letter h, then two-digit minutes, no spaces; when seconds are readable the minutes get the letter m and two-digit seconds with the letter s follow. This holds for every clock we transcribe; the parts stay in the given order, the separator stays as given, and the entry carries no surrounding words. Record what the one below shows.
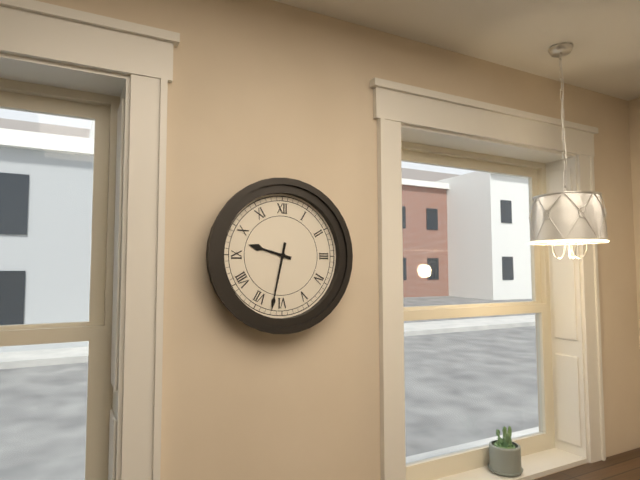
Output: 9h32
